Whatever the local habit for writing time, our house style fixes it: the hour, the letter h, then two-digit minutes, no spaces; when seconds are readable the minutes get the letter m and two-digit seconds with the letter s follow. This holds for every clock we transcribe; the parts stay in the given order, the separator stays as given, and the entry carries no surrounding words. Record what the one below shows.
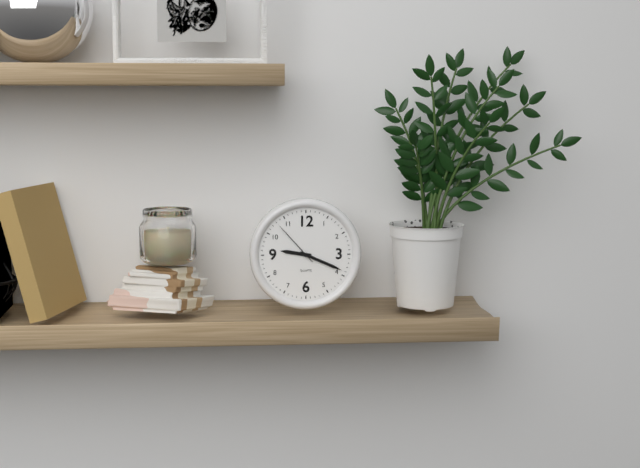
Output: 9h19m53s
